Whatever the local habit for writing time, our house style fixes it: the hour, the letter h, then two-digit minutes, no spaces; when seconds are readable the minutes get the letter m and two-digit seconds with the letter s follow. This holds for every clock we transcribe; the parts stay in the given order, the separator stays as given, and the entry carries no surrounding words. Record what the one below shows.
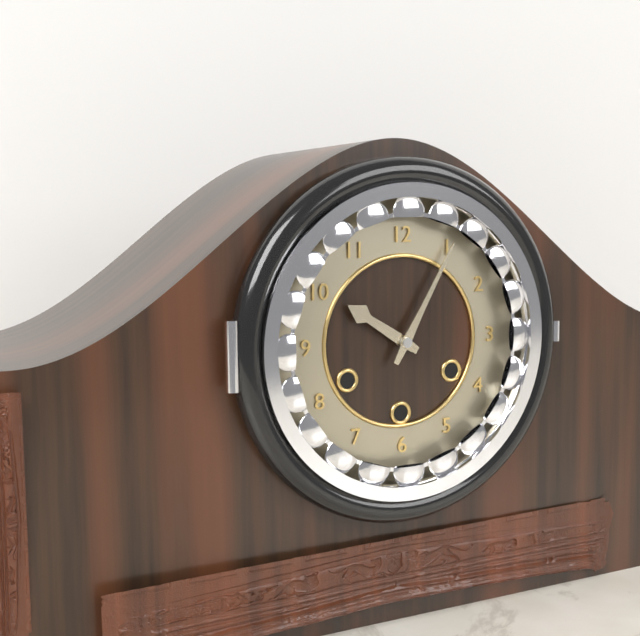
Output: 10h05
